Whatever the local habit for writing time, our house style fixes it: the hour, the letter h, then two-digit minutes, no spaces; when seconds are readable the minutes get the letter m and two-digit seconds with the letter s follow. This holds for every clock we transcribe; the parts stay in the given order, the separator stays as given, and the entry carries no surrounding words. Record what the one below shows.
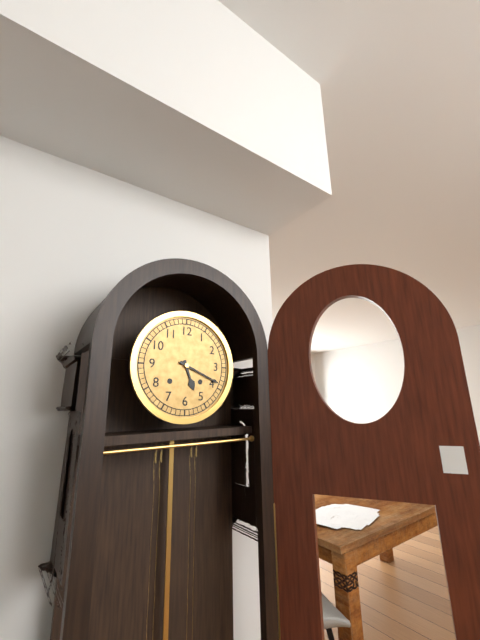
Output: 5h19
